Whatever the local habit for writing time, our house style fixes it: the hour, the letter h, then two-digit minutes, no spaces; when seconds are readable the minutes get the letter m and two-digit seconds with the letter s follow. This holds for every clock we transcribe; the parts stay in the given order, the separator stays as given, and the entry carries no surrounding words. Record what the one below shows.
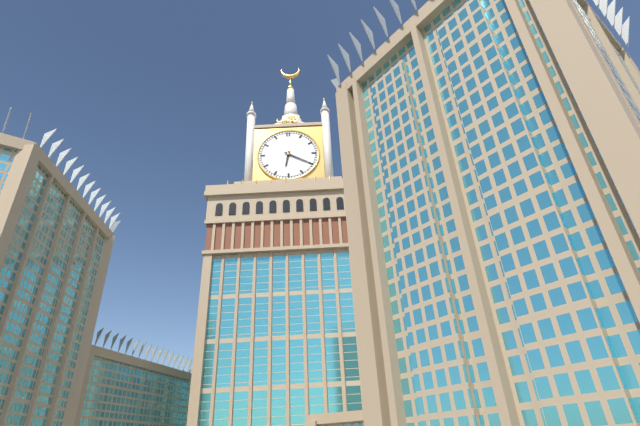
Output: 6h20
